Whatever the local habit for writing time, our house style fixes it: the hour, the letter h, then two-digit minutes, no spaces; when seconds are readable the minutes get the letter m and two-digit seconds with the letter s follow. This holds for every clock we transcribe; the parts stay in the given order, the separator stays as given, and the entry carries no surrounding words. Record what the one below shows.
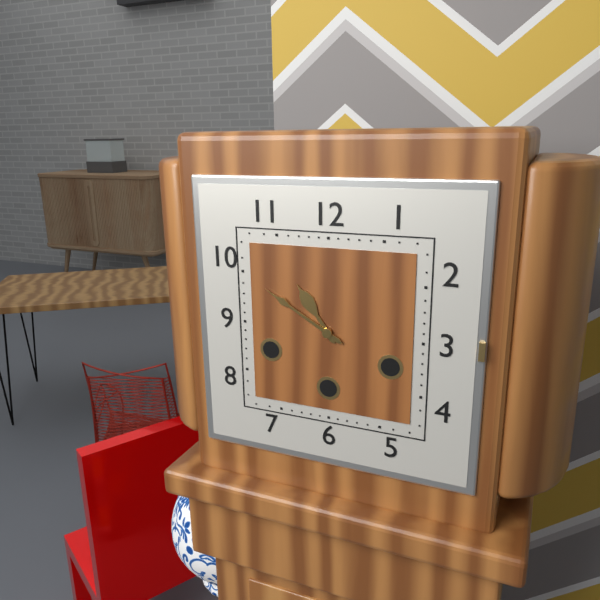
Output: 10h50
